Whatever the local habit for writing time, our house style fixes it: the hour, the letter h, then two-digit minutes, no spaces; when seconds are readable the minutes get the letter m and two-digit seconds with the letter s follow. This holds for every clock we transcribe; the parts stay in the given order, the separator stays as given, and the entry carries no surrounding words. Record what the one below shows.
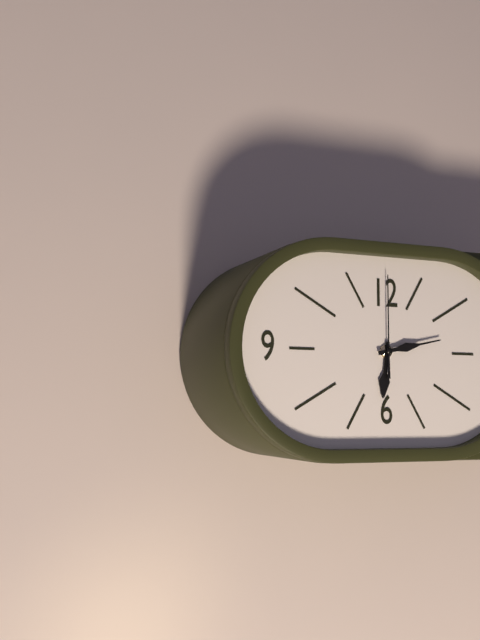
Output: 6h13m00s
